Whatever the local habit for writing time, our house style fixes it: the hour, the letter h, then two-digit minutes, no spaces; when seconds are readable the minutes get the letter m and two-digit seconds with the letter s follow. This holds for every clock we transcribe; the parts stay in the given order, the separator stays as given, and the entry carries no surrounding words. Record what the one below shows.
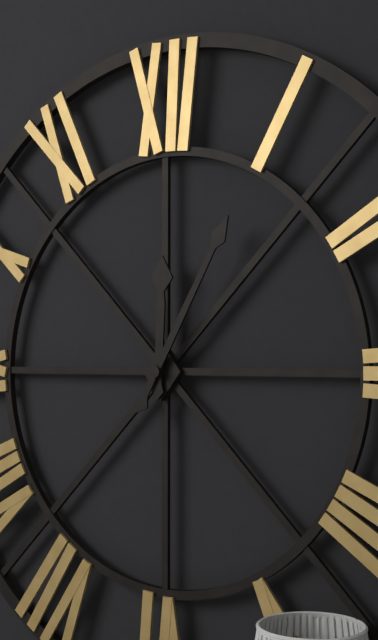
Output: 12h05
